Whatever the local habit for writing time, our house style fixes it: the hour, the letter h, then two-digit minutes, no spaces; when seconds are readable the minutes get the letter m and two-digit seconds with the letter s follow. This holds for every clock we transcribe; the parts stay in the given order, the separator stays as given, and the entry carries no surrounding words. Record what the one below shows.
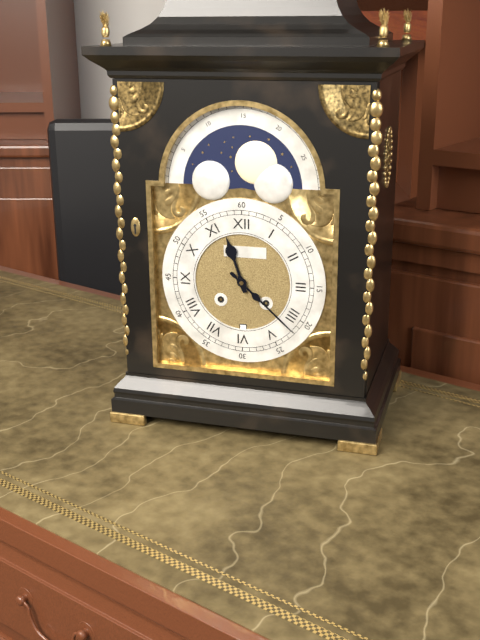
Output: 11h22
